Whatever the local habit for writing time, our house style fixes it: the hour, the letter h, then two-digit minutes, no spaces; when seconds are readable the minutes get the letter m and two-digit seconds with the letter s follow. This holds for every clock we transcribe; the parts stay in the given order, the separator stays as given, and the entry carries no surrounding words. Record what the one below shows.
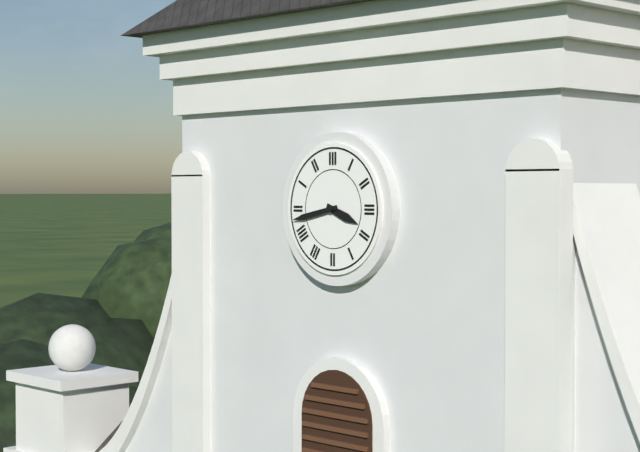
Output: 3h43
